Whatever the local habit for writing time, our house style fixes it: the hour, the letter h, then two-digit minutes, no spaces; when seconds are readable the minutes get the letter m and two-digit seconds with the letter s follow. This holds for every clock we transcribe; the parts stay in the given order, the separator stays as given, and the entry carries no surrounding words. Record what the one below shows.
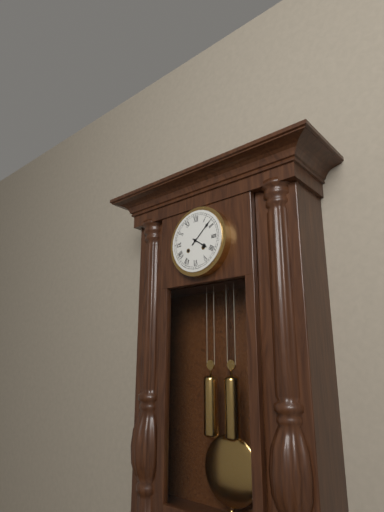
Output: 4h08
